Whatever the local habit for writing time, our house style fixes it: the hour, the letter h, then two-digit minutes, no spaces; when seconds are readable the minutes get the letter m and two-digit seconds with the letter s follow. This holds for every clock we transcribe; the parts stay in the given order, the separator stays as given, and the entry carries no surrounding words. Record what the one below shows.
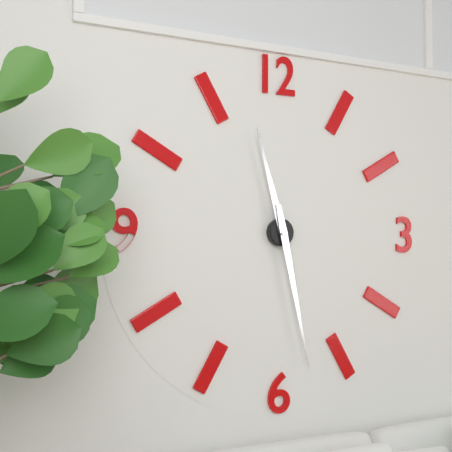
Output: 11h28
